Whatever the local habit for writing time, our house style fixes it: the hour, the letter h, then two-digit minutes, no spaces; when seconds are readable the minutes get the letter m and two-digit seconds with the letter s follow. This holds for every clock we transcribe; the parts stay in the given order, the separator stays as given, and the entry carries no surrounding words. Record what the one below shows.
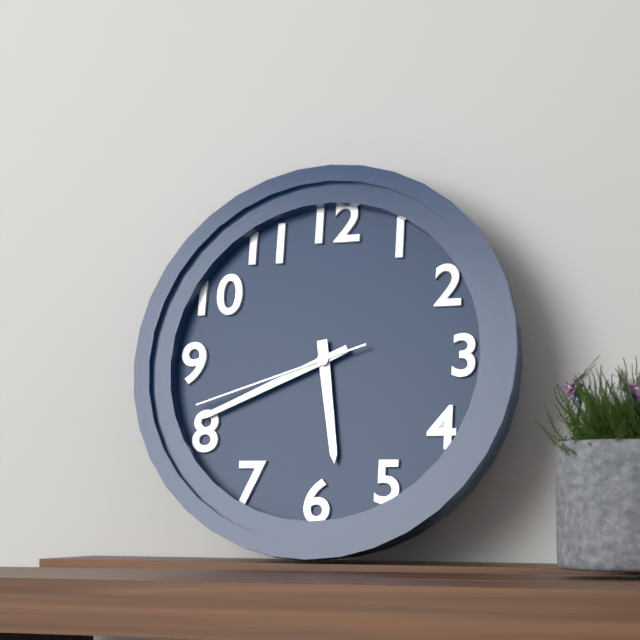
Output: 5h41m42s
